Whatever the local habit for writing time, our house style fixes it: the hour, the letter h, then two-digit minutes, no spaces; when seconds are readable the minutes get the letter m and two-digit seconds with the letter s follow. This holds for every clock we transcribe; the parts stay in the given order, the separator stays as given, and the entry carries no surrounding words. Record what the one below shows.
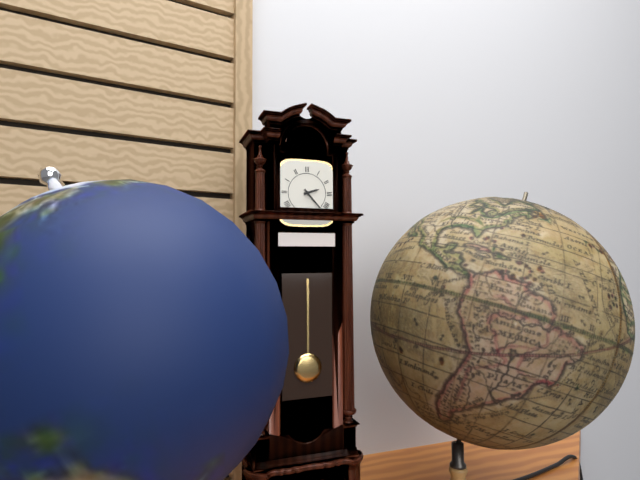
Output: 2h23
